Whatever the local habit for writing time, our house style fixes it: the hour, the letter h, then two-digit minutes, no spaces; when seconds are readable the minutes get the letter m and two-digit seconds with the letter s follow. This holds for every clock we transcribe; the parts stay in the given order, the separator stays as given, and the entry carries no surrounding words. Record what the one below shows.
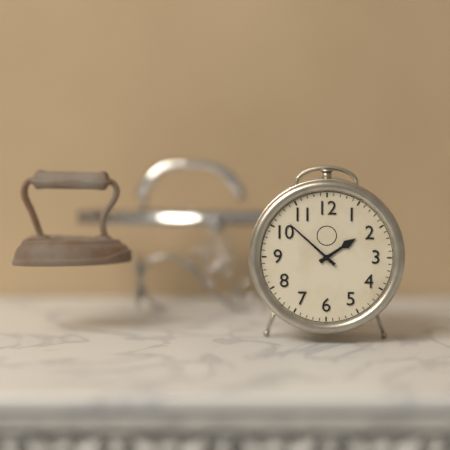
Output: 1h52
